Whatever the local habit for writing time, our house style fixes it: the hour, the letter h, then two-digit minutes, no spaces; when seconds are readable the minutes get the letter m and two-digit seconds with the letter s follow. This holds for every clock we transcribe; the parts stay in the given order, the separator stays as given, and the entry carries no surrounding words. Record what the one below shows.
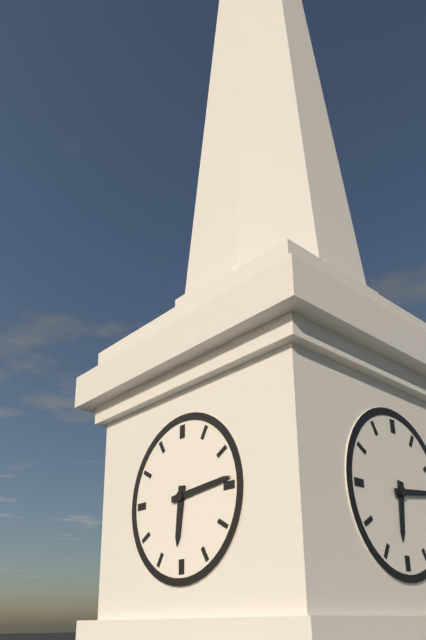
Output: 6h14
